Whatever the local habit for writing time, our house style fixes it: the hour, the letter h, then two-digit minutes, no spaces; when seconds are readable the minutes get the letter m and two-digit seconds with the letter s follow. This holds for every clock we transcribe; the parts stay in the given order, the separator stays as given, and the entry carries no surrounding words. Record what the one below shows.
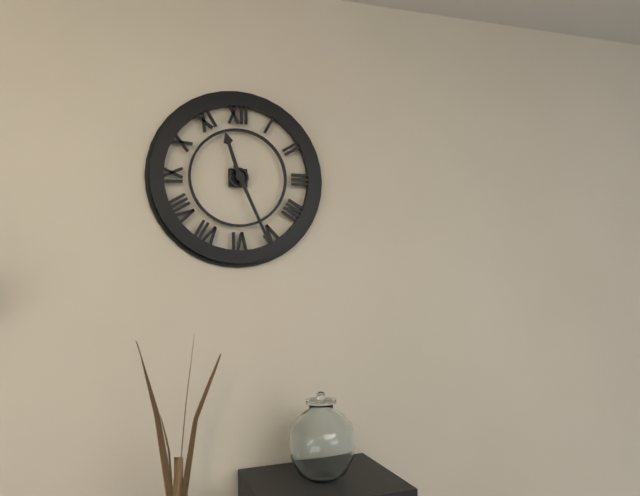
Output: 11h26
